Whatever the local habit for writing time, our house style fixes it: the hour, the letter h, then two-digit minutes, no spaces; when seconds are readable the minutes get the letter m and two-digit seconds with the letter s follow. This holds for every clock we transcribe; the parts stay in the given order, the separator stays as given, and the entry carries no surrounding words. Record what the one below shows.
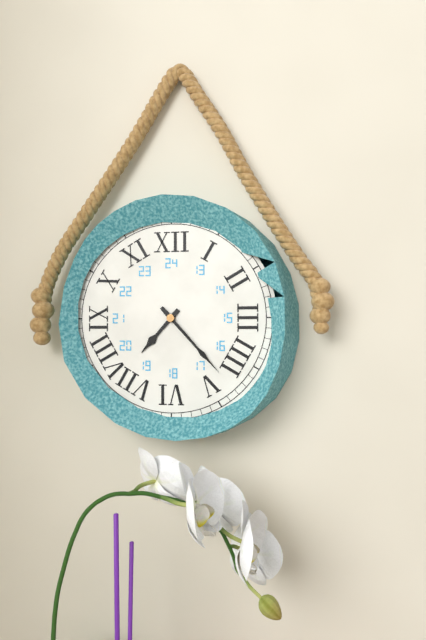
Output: 7h23
